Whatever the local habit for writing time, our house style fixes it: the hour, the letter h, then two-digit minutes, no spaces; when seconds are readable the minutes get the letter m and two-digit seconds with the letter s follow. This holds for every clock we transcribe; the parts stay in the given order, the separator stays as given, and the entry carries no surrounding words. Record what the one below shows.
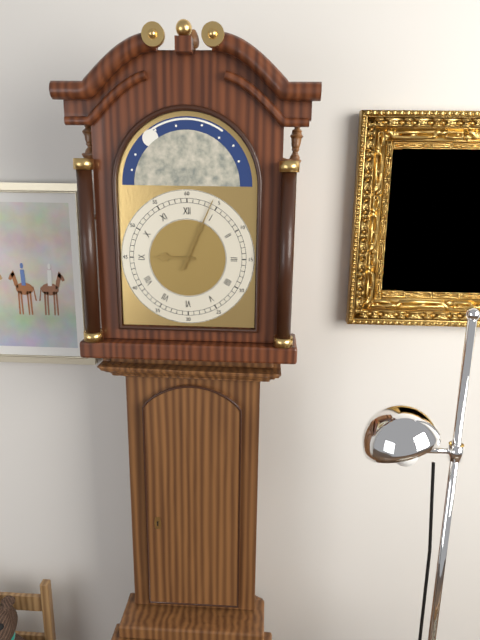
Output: 9h04
